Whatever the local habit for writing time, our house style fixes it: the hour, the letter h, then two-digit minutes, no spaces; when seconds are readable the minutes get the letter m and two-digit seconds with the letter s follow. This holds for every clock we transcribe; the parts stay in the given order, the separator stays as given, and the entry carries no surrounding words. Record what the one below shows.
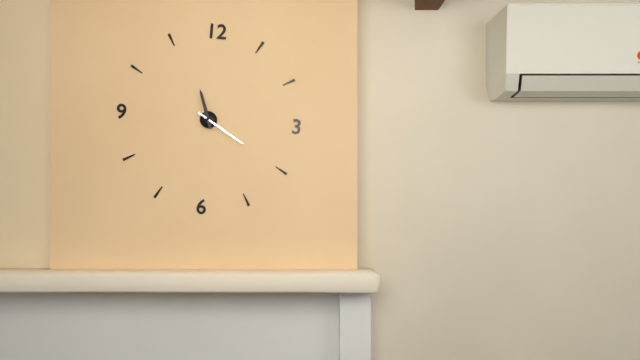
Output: 11h20
